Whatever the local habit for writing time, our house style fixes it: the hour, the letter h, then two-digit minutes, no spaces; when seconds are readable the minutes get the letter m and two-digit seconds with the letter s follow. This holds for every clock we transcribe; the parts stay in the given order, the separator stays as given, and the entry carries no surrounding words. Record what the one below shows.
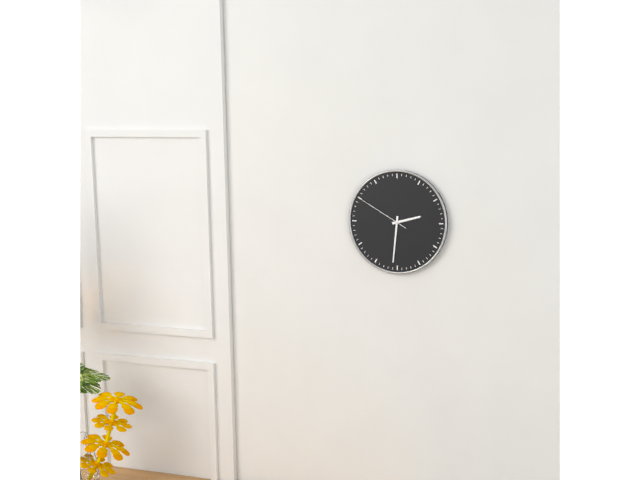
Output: 2h31m50s
